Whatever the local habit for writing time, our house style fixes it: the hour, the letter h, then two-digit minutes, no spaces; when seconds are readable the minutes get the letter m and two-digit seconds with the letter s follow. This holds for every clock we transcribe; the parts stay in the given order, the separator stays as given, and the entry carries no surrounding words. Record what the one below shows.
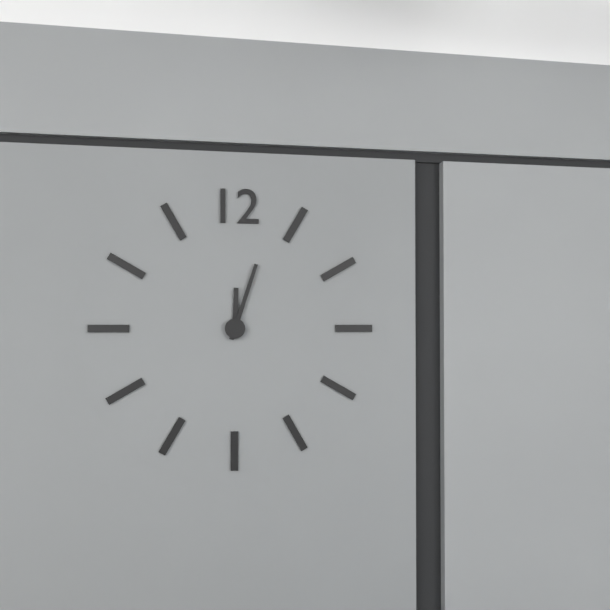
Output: 12h03
